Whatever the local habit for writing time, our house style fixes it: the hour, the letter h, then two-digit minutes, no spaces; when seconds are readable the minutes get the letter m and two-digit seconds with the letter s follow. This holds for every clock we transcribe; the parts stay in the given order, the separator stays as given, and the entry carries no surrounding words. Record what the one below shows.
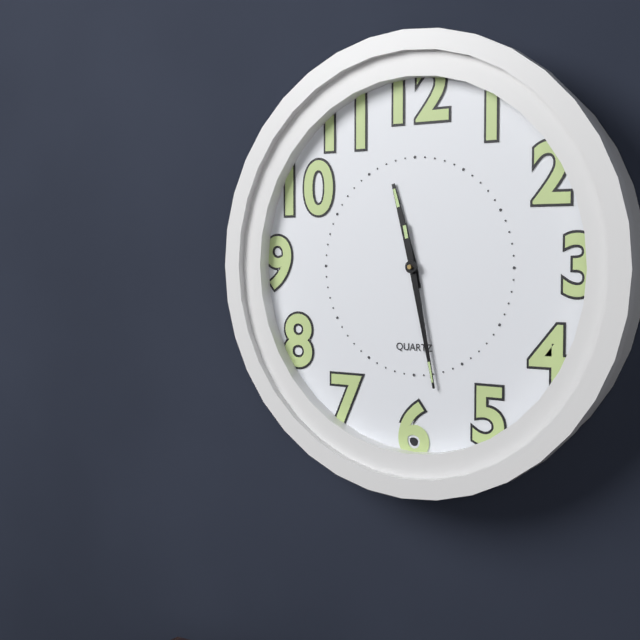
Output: 11h28
